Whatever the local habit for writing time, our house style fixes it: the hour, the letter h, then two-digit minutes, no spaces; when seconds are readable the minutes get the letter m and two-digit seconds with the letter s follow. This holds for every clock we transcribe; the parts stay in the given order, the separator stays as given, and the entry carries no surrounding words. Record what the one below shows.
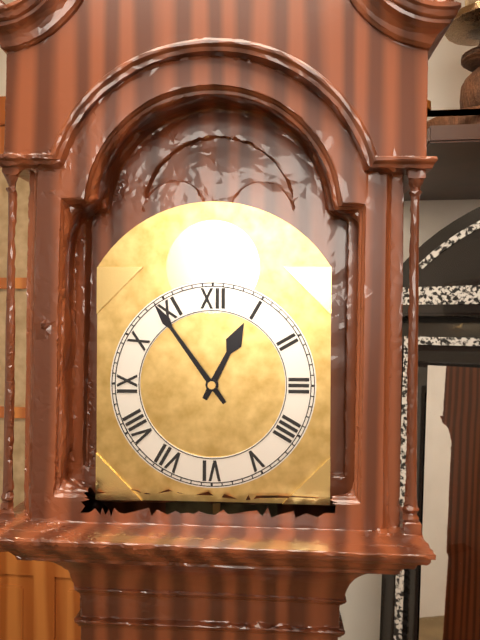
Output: 12h54
